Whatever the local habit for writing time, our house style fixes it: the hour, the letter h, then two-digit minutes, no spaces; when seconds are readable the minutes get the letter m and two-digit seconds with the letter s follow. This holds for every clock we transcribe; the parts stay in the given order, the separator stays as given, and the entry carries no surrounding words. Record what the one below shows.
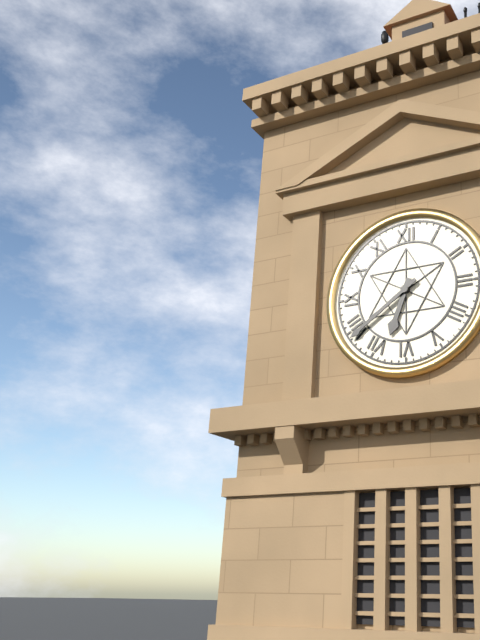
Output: 6h39
